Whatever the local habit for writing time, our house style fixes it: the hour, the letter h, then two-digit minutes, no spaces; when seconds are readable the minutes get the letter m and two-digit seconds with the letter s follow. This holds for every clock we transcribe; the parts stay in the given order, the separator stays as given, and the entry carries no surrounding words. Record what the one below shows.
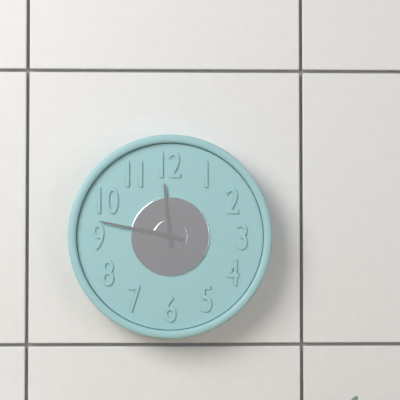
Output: 11h47
